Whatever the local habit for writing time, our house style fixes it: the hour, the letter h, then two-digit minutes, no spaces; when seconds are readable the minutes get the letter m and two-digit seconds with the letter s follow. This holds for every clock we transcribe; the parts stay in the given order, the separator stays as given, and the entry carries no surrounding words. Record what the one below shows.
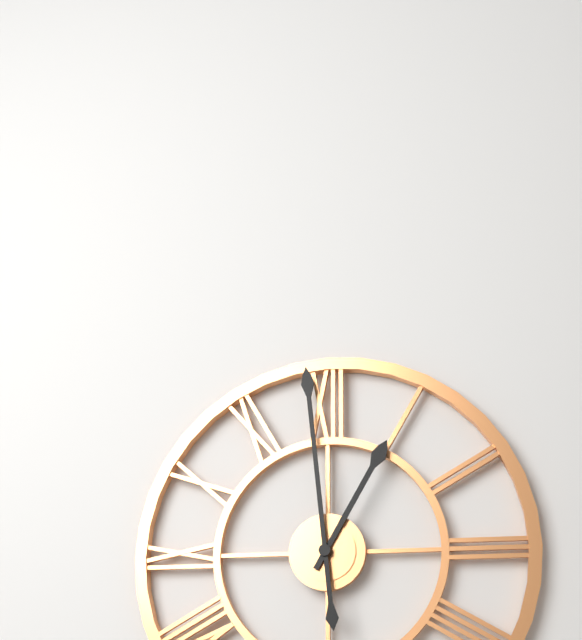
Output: 12h59
